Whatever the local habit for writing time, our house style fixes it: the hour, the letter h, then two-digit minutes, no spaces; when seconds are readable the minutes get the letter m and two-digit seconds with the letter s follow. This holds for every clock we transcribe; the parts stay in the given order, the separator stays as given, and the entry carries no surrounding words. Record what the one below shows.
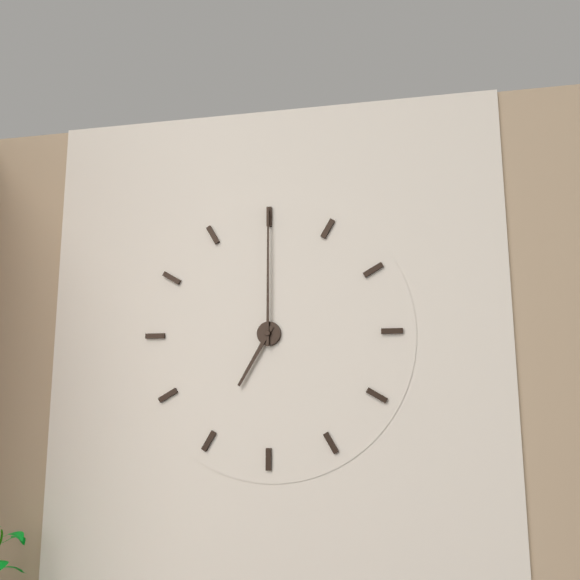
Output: 7h00
